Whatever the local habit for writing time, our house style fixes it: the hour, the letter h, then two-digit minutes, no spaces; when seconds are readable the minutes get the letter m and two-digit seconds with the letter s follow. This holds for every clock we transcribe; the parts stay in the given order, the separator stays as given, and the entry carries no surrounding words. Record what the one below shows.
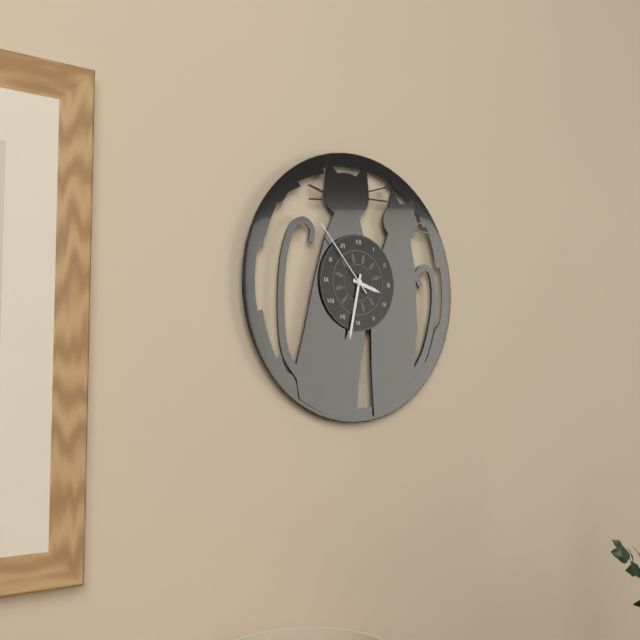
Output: 3h32m53s
